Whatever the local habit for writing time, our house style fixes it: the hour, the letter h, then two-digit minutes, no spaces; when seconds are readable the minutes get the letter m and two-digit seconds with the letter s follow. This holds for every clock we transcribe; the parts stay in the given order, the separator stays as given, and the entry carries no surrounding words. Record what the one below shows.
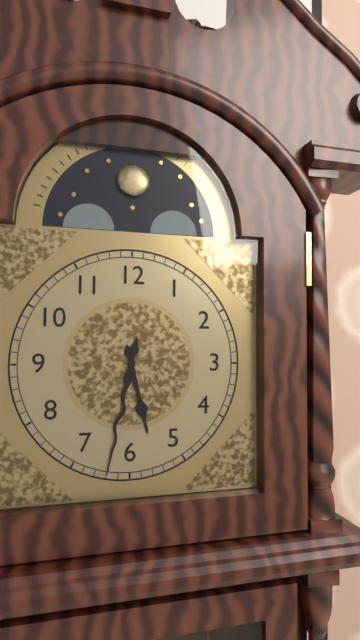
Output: 5h32
